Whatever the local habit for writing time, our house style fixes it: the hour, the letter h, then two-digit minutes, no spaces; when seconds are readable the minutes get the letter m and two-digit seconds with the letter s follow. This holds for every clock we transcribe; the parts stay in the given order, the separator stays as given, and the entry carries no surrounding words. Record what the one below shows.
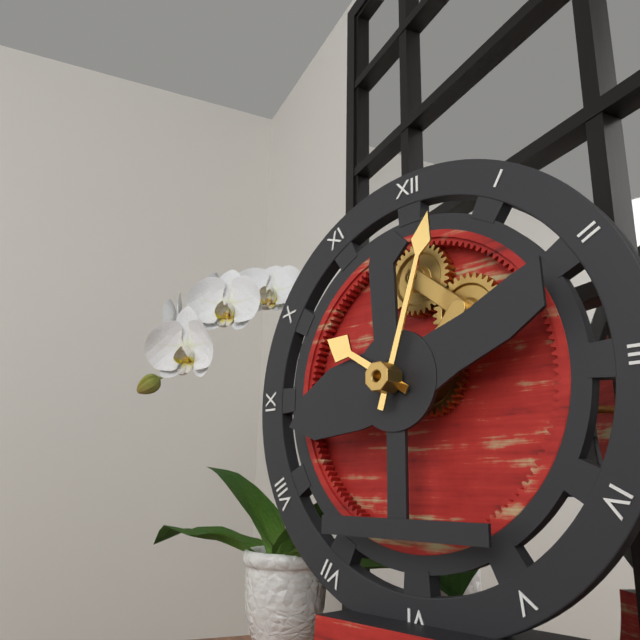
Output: 10h03
